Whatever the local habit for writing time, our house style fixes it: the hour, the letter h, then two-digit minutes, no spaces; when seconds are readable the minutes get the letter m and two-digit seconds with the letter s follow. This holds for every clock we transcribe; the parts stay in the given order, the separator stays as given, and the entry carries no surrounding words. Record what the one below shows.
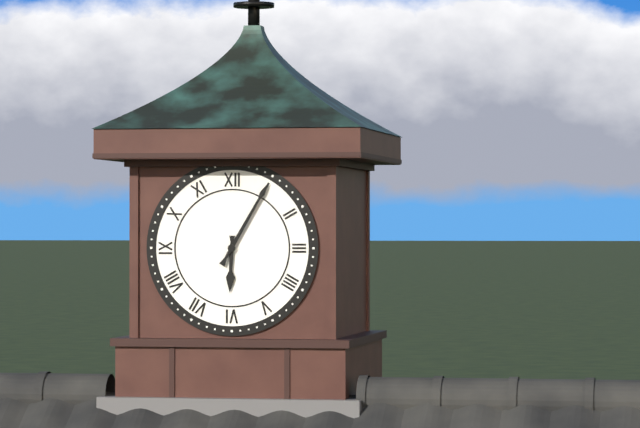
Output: 6h05
